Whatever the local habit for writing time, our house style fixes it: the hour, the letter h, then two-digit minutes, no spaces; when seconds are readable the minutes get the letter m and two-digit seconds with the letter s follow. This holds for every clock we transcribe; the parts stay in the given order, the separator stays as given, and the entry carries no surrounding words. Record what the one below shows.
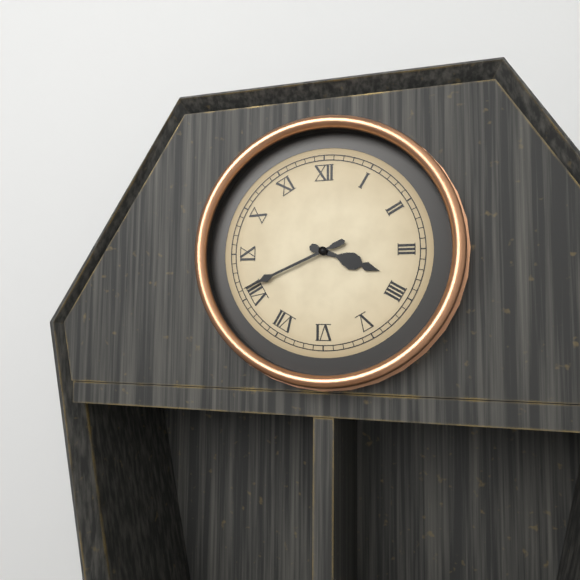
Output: 3h41
